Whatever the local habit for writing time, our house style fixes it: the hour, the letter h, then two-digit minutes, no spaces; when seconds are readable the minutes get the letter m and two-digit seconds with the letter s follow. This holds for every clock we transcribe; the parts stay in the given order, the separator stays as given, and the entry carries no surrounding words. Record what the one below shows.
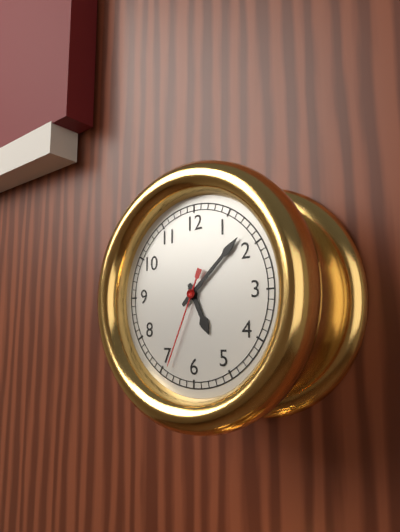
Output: 5h08m34s
